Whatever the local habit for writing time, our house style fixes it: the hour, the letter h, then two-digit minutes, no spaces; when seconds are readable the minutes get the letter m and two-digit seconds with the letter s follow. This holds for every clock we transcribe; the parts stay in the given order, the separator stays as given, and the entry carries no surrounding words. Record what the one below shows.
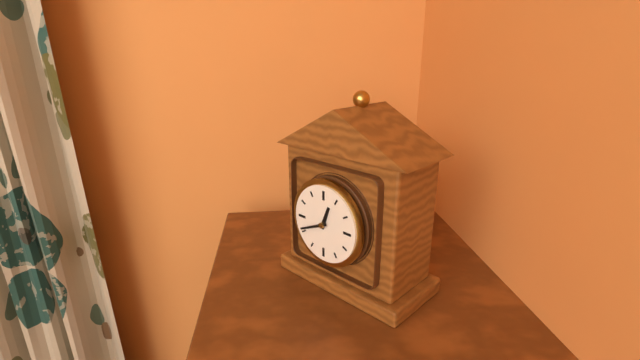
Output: 12h41
